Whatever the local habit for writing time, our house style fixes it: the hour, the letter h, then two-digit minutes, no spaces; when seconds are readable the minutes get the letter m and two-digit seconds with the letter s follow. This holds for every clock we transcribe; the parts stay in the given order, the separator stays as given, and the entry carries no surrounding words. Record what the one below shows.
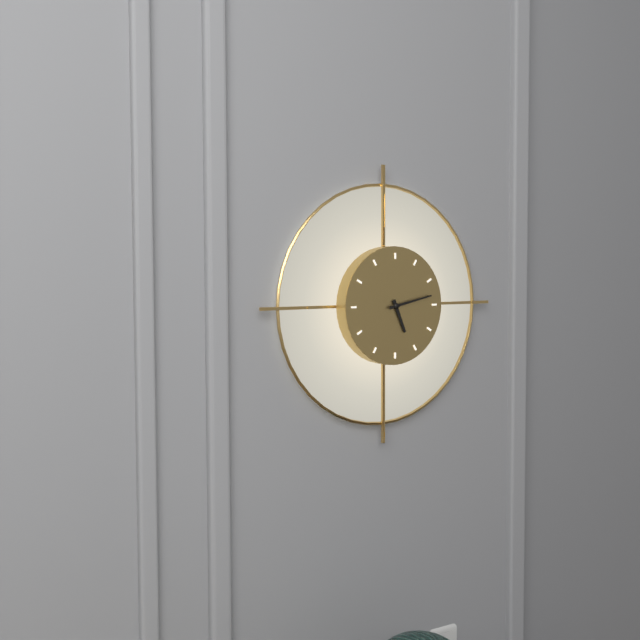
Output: 5h13
